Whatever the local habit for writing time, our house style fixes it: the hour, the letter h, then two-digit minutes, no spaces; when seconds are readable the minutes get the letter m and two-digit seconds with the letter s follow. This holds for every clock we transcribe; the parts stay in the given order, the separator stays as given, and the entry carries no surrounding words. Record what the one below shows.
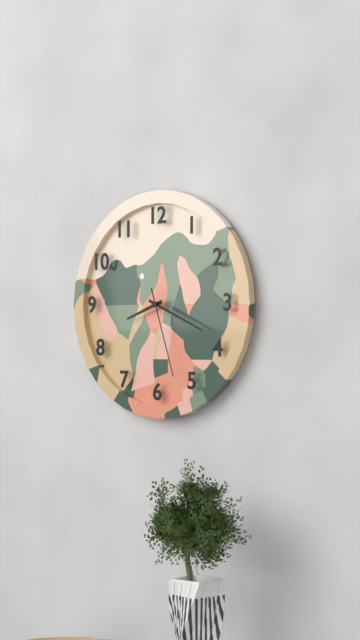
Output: 8h19m27s
